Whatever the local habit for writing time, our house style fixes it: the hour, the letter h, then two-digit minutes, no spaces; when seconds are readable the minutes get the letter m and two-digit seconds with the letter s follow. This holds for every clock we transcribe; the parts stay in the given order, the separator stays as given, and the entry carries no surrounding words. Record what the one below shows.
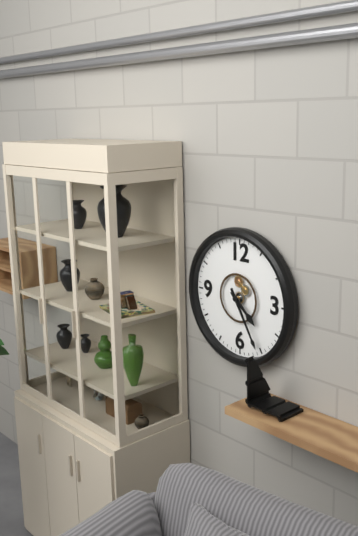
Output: 4h25
